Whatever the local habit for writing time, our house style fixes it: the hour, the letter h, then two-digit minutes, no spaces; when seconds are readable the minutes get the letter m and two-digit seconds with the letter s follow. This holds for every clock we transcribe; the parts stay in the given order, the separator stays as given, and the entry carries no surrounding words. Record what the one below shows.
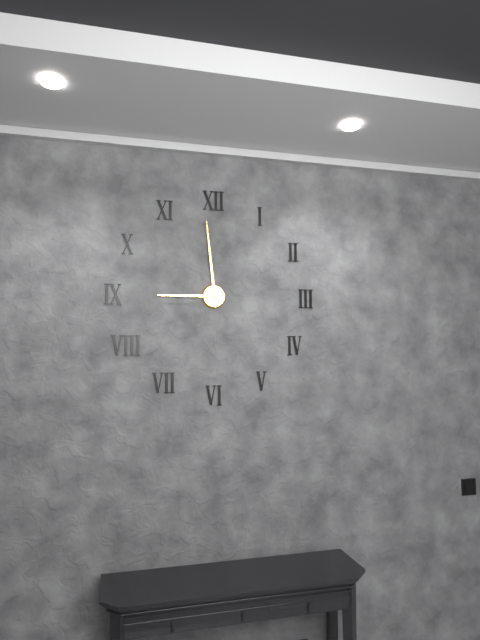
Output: 8h59
